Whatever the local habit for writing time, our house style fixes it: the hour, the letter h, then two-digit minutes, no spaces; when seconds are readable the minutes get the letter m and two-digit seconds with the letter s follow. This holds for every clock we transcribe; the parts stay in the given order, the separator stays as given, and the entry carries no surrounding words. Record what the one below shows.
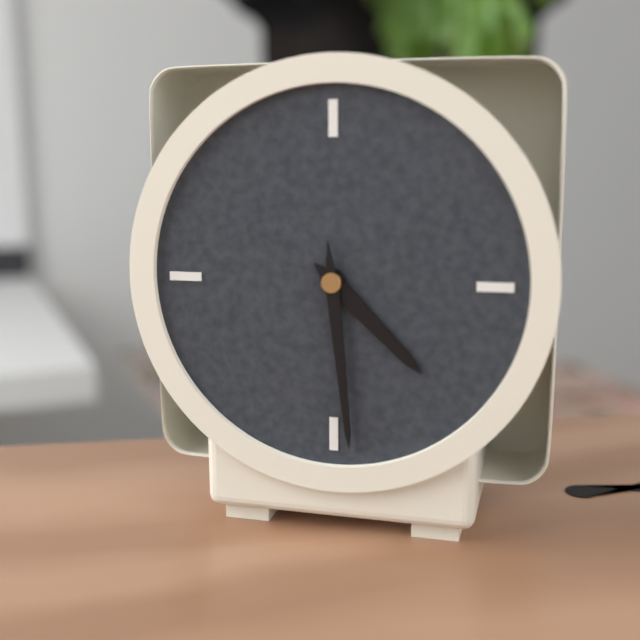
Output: 4h29
